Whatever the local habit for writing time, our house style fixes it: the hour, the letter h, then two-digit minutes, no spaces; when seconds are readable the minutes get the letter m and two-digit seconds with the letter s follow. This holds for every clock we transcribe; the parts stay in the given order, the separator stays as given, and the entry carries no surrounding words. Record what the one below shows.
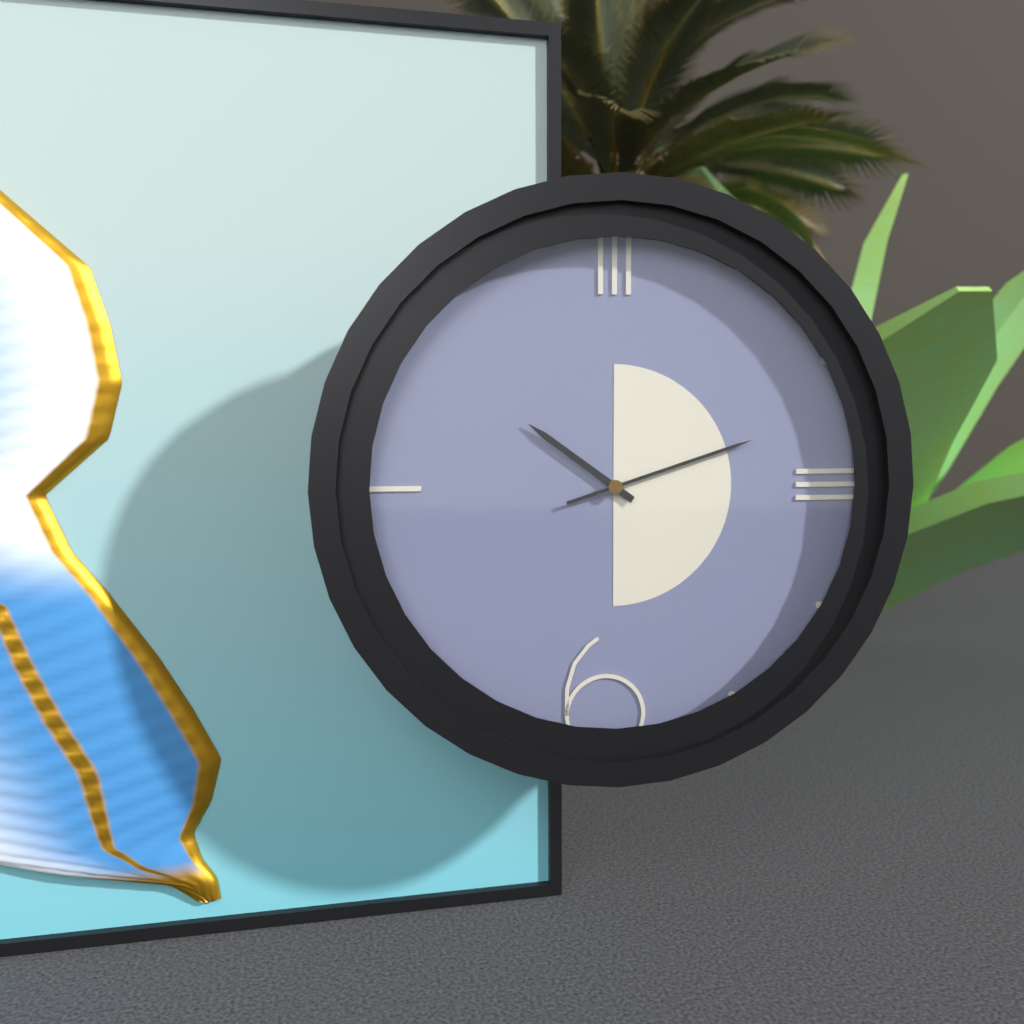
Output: 10h12
